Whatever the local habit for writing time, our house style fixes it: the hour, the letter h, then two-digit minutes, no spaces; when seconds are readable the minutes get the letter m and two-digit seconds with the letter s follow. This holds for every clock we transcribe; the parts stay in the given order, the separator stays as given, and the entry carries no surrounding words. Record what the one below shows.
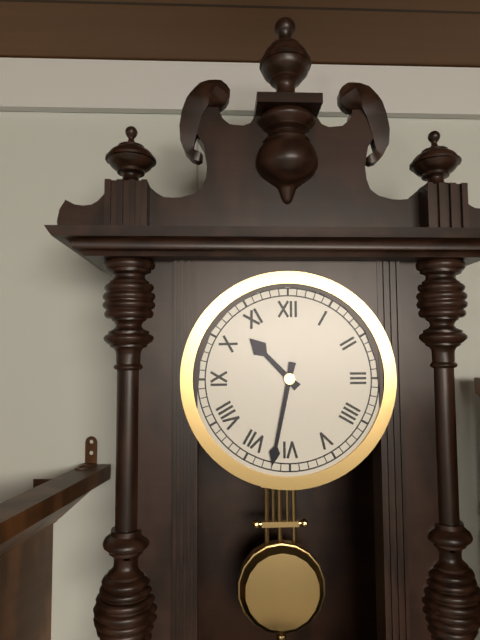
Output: 10h32
